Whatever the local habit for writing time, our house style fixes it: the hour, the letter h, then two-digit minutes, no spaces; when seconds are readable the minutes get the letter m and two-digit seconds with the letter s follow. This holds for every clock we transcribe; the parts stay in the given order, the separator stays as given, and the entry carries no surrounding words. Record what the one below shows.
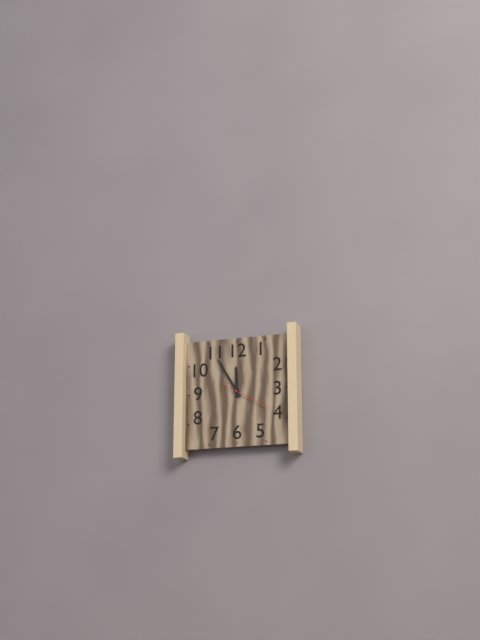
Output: 11h55
